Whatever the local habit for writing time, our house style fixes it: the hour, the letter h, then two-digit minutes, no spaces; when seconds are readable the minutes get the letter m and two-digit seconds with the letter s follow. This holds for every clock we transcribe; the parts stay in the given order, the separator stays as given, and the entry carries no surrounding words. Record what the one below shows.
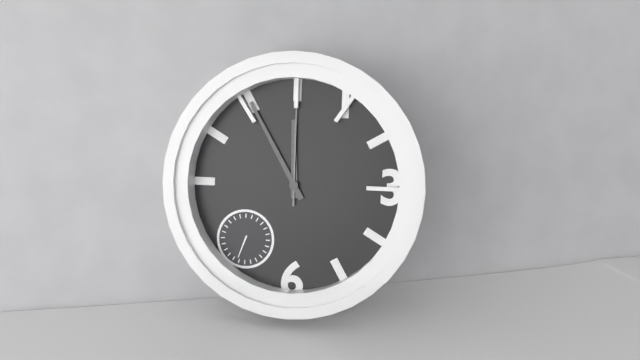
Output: 11h55m00s
